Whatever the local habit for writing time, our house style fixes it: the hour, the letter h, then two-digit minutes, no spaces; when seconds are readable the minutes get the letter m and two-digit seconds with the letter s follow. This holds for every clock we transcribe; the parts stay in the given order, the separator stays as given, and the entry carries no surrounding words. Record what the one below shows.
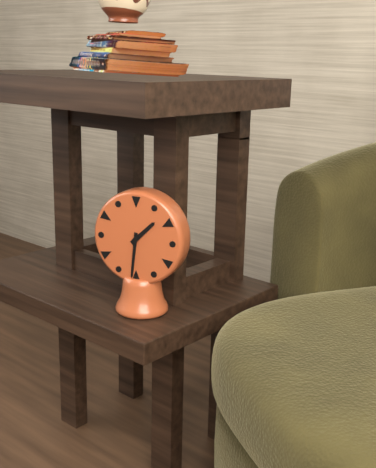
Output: 1h31
